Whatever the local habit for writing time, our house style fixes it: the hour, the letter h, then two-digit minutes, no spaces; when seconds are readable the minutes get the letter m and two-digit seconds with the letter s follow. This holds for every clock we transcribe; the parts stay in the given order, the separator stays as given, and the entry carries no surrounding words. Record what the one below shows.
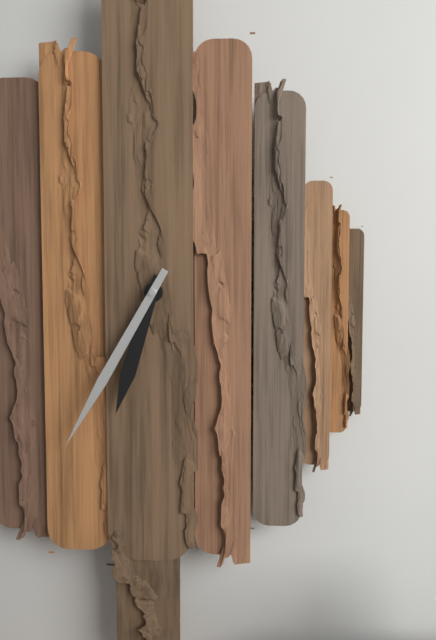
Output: 6h35
